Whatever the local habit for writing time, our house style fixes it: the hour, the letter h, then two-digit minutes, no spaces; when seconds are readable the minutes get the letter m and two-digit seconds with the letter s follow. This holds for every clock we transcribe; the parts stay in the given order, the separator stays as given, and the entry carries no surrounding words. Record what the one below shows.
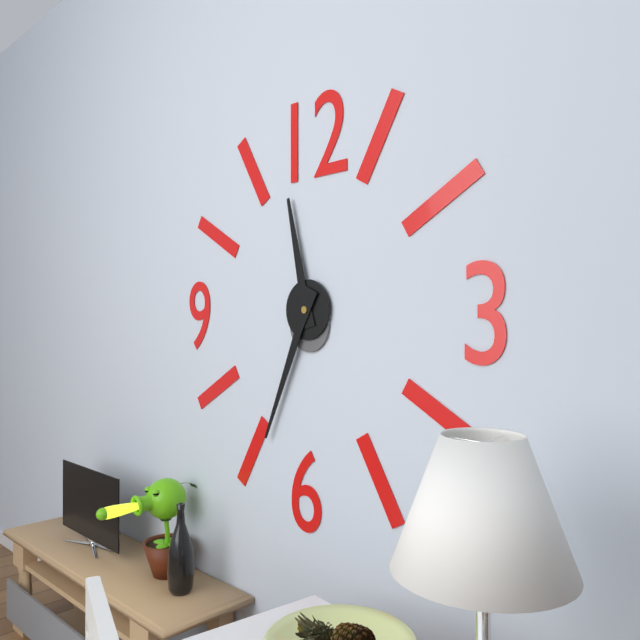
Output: 11h34
